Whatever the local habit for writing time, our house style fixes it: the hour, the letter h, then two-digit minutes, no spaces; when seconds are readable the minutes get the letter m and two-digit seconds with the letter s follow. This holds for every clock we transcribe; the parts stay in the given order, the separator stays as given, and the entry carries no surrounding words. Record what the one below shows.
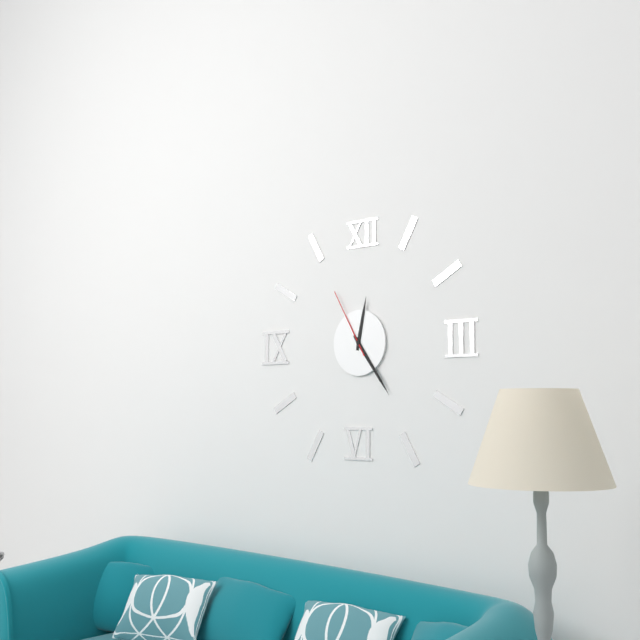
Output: 12h24m55s
